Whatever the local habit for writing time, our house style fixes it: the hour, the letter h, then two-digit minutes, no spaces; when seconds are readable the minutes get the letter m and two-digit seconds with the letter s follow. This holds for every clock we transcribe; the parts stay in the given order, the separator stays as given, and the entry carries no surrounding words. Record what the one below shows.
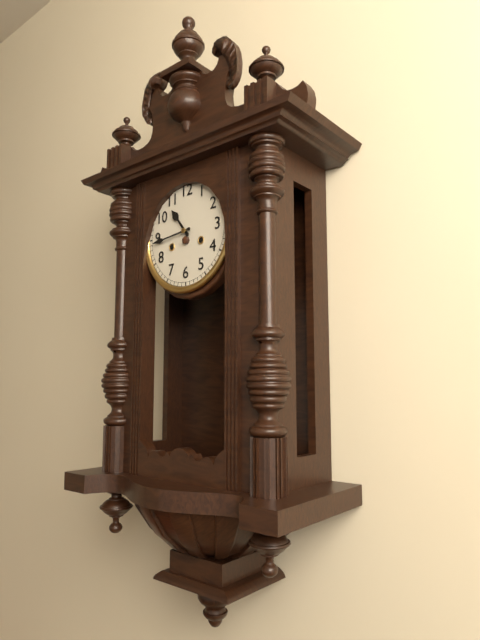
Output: 10h44
